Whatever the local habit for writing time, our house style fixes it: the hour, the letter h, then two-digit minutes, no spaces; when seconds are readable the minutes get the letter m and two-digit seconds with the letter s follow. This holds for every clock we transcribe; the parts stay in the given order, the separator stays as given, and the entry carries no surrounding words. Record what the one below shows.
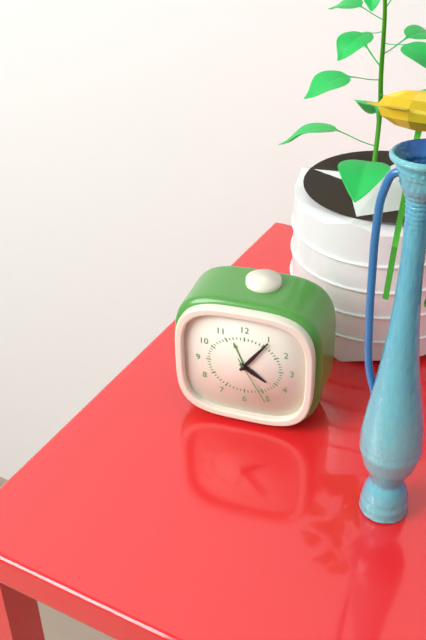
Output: 4h06m25s
